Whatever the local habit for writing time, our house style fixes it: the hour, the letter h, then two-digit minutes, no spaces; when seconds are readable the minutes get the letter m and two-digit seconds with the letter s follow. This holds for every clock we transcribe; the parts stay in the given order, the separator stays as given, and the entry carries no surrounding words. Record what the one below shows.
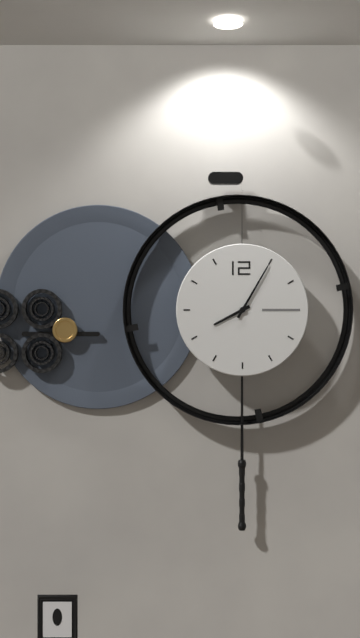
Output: 8h05
